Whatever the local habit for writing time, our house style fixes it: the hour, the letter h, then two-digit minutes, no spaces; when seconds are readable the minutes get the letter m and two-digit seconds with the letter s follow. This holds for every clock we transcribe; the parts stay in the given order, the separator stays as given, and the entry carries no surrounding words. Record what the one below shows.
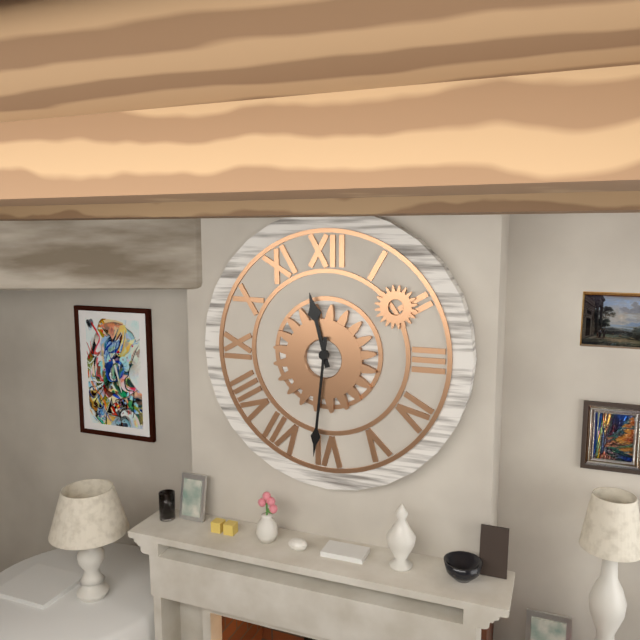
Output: 11h31
